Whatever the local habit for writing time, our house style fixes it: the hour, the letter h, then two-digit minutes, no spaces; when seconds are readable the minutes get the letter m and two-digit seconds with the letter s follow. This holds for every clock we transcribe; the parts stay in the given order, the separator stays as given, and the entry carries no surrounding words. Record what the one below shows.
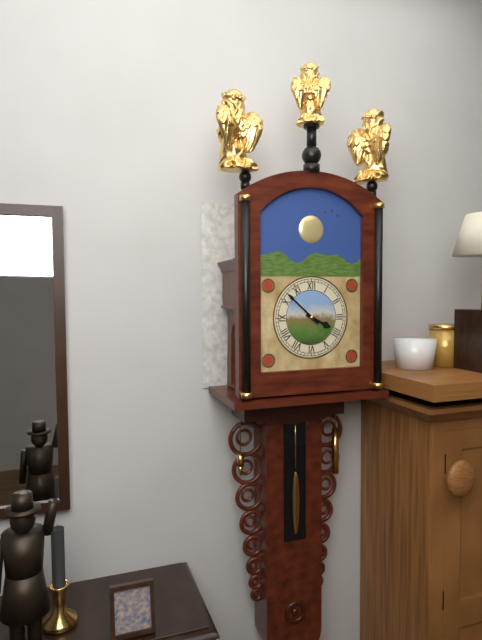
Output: 3h52
